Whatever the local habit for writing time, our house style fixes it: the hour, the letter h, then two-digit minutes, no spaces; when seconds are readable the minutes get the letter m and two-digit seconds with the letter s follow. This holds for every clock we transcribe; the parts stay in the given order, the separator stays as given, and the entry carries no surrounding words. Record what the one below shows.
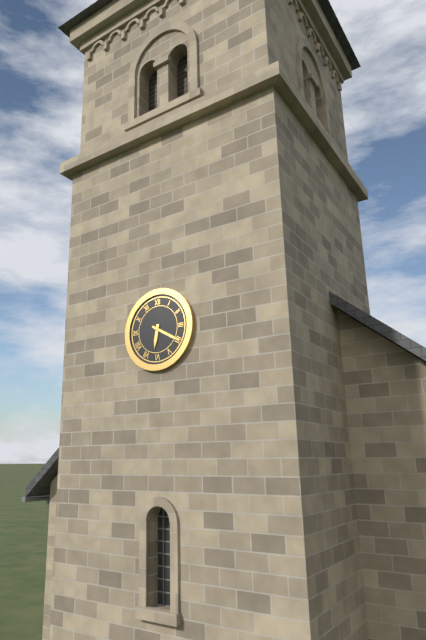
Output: 6h20
